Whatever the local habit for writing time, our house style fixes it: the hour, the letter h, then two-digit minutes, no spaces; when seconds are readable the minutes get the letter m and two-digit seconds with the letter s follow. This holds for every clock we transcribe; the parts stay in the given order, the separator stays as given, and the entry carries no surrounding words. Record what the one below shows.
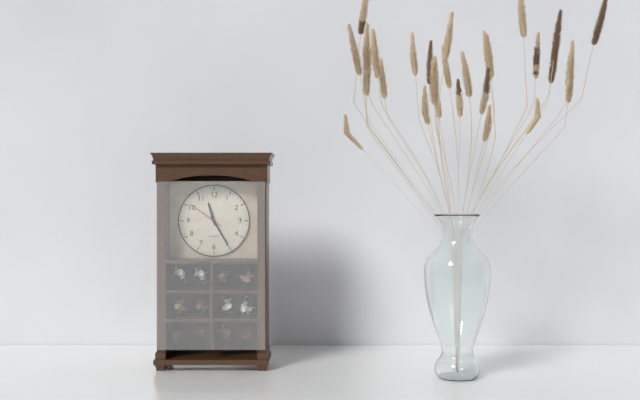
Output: 11h25
